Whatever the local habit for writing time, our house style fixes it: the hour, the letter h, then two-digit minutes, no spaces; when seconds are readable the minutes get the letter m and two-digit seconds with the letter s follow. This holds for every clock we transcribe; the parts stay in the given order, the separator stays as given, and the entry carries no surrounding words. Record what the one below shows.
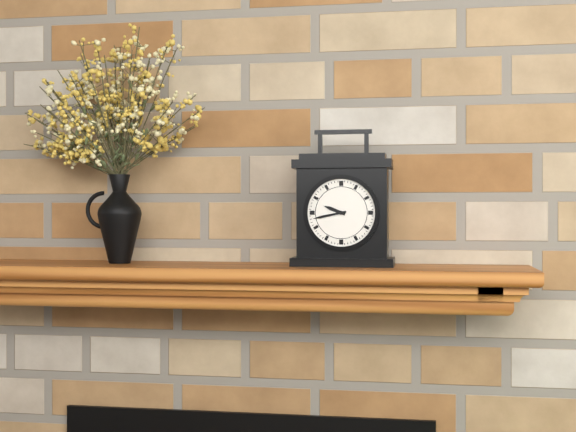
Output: 9h43
